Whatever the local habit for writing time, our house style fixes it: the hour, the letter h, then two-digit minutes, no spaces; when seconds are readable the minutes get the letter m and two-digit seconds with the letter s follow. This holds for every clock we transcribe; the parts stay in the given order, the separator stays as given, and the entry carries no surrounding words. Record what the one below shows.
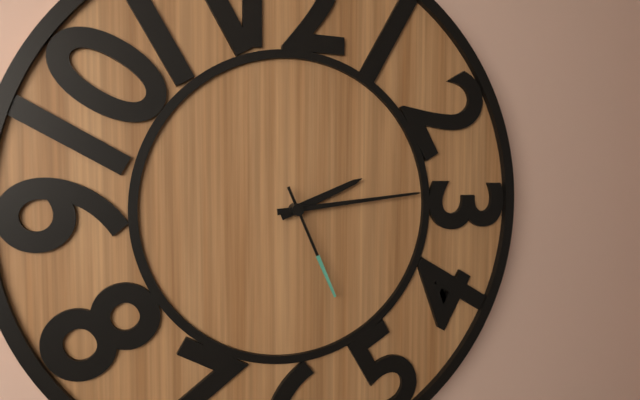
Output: 2h14m26s
